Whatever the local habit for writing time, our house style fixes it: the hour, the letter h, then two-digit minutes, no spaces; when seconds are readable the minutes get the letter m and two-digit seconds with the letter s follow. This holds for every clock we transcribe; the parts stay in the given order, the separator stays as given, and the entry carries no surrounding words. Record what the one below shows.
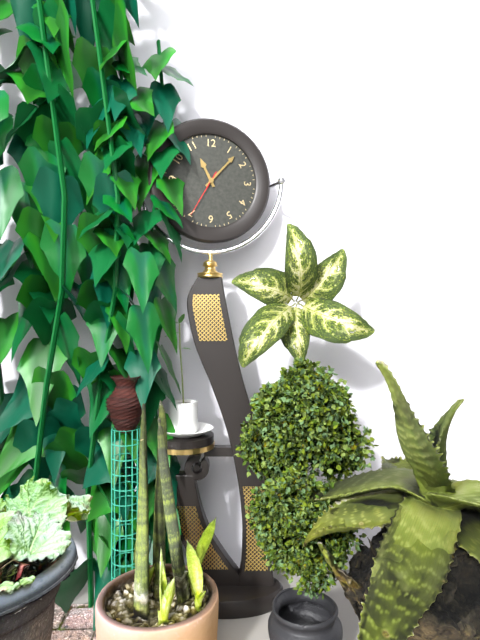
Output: 11h07
